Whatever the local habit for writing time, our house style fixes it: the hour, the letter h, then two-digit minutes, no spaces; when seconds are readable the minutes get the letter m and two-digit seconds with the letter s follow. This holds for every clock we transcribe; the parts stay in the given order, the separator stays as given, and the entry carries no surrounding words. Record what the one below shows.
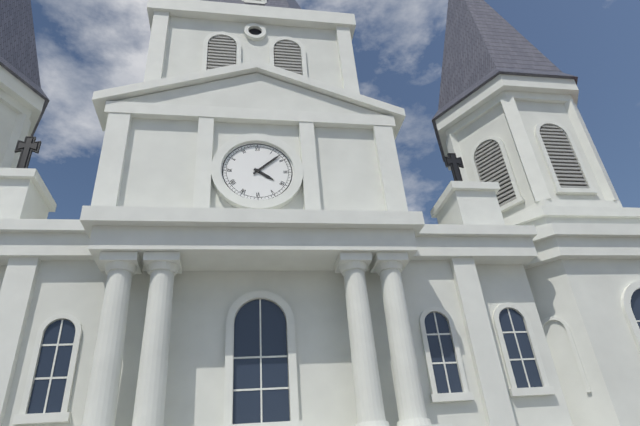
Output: 4h08
